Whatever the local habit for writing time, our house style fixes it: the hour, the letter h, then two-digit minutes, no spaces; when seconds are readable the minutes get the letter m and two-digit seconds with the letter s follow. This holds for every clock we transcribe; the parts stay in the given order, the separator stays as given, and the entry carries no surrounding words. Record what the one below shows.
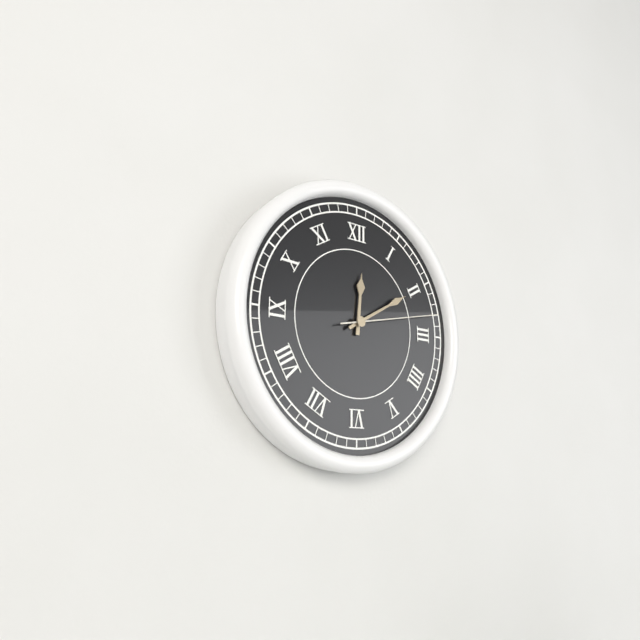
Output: 12h10m13s
